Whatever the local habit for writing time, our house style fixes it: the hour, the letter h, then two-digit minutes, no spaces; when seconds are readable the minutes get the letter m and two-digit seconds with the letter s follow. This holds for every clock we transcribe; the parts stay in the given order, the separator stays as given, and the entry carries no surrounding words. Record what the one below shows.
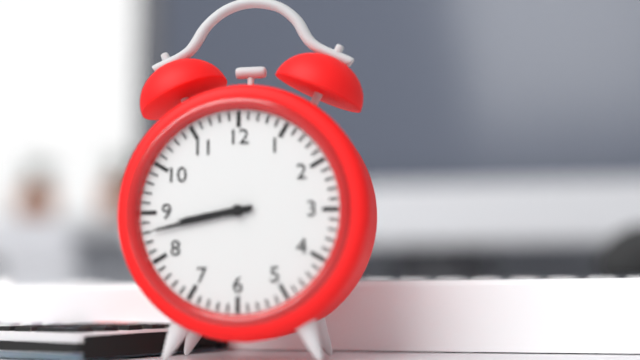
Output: 8h43
